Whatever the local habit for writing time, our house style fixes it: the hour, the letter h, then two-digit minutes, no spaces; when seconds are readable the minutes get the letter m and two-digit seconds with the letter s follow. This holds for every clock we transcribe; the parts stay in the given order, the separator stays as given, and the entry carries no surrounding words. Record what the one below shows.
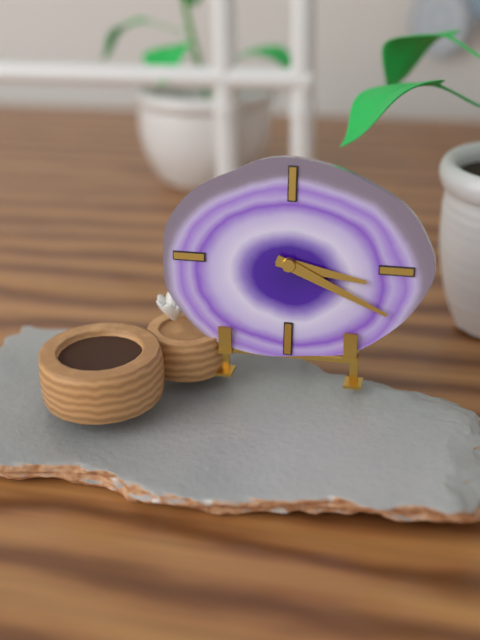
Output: 3h19
